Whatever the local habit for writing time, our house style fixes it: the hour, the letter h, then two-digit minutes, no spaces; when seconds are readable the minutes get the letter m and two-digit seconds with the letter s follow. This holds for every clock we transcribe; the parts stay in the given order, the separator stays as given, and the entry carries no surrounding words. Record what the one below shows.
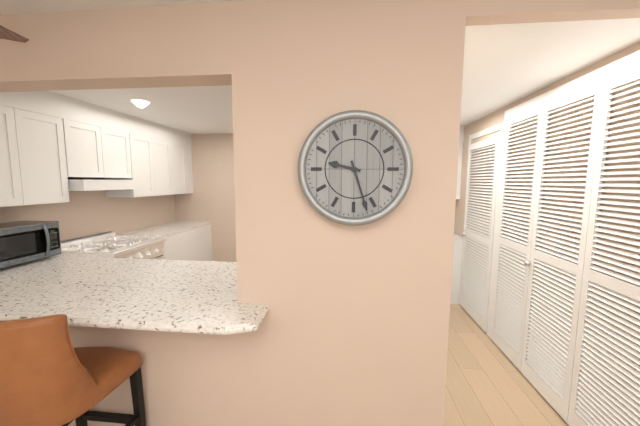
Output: 9h27
